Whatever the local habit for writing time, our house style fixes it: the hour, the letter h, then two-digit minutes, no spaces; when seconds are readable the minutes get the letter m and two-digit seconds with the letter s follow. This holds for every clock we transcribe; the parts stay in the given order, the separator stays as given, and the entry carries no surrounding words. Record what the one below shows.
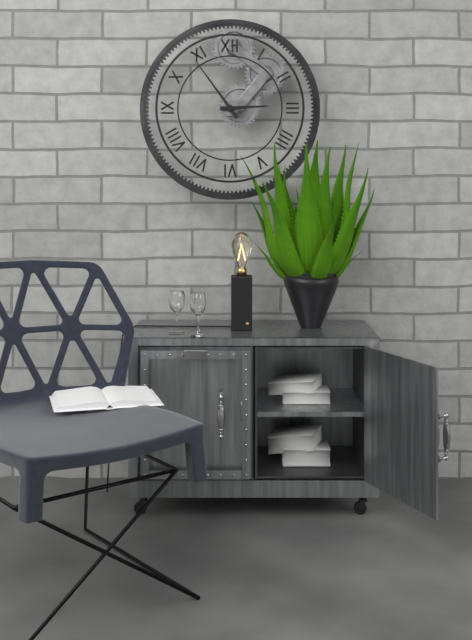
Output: 2h54
